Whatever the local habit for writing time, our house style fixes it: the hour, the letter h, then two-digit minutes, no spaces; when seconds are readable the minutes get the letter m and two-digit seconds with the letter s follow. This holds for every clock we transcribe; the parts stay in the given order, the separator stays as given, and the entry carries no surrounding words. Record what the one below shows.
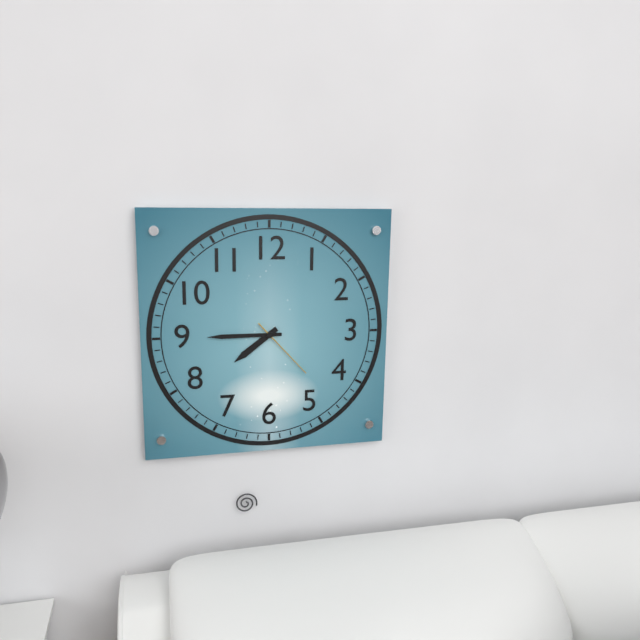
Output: 7h45m23s
